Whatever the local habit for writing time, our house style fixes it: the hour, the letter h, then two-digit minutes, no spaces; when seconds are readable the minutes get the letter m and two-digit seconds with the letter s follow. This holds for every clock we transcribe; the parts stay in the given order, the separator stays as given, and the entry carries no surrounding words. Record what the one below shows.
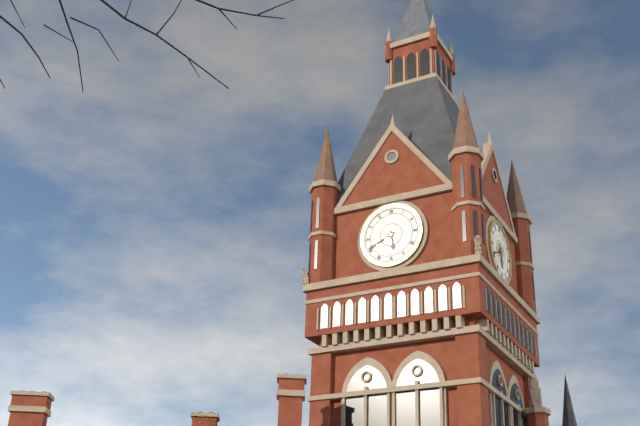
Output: 5h41
